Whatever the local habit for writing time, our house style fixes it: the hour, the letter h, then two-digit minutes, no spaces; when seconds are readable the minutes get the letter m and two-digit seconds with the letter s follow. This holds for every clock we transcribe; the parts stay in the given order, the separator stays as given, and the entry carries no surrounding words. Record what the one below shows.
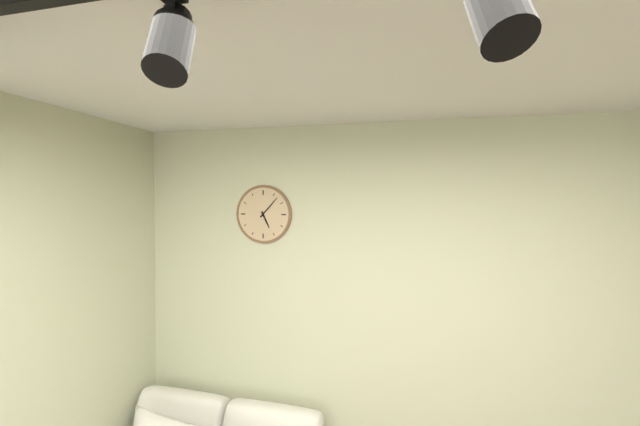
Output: 5h07
